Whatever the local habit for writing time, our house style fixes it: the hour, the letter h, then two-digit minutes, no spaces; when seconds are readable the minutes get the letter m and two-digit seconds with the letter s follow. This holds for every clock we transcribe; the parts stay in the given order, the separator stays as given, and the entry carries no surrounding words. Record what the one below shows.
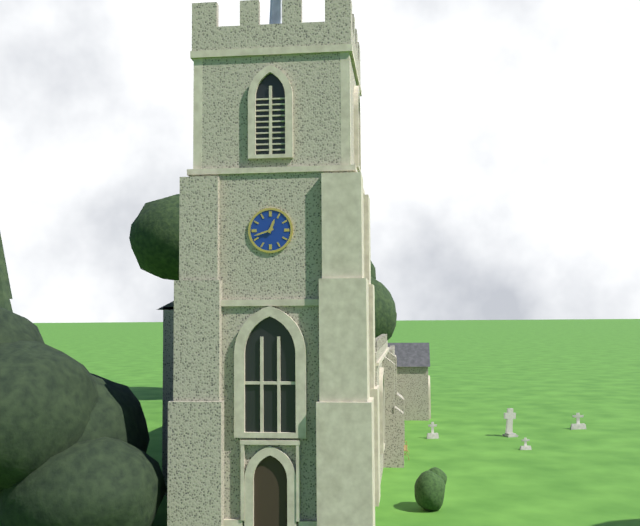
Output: 12h42
